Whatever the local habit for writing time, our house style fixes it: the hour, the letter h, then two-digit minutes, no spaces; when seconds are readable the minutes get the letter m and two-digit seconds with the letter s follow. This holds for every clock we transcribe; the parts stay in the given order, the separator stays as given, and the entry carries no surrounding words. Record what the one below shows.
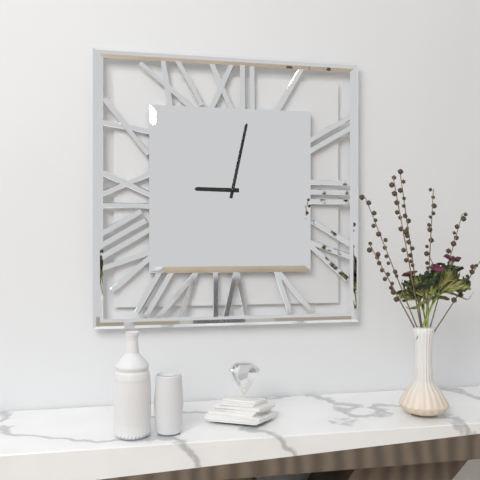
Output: 9h02
